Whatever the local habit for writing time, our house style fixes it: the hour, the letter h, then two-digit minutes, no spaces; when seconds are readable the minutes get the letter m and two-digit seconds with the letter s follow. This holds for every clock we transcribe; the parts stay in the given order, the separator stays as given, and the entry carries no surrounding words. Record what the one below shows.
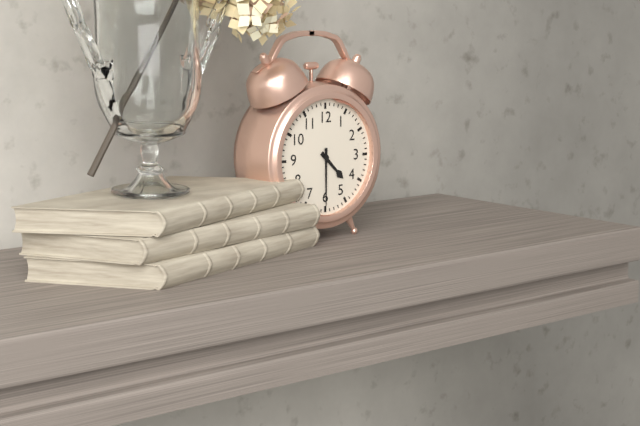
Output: 4h30
